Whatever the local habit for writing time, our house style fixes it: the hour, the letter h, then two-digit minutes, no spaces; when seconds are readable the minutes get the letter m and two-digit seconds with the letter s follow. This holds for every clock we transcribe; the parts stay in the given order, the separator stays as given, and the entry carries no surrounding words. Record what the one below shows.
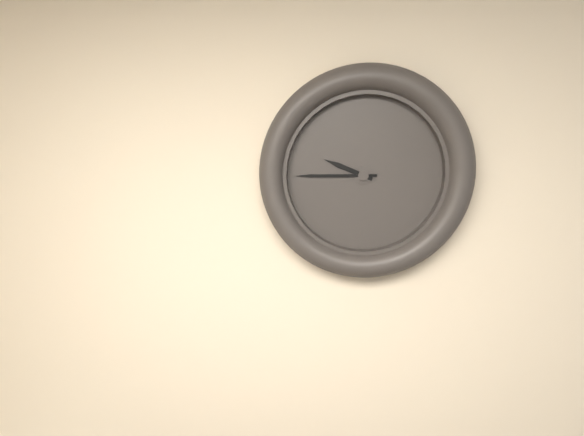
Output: 9h45
